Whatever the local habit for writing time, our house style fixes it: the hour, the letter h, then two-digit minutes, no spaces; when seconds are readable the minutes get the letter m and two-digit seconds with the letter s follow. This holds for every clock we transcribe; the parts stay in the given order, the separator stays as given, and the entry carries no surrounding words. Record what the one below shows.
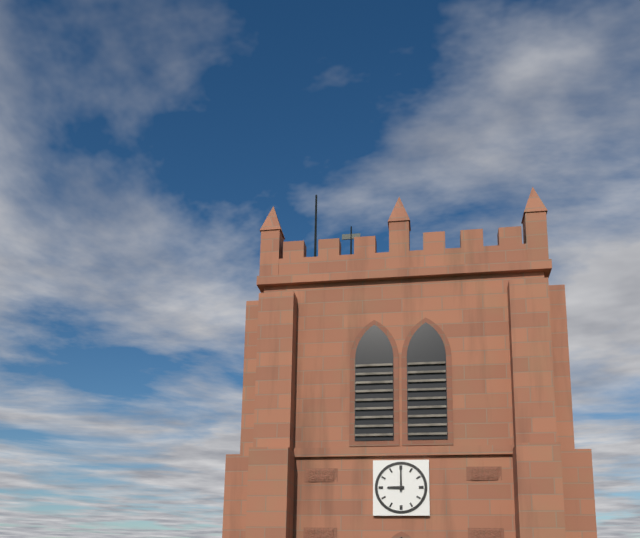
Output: 9h00
